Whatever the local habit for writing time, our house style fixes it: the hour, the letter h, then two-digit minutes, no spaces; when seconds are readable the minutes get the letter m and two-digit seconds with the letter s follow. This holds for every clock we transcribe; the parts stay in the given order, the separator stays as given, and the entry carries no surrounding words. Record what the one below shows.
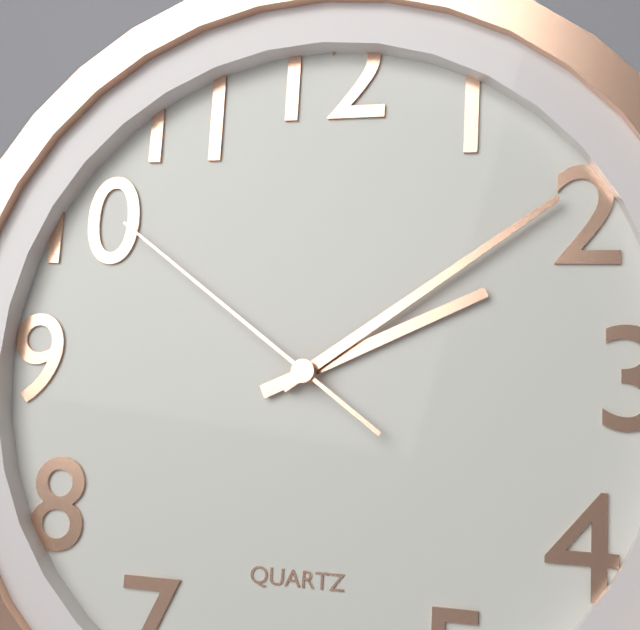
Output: 2h09m51s
